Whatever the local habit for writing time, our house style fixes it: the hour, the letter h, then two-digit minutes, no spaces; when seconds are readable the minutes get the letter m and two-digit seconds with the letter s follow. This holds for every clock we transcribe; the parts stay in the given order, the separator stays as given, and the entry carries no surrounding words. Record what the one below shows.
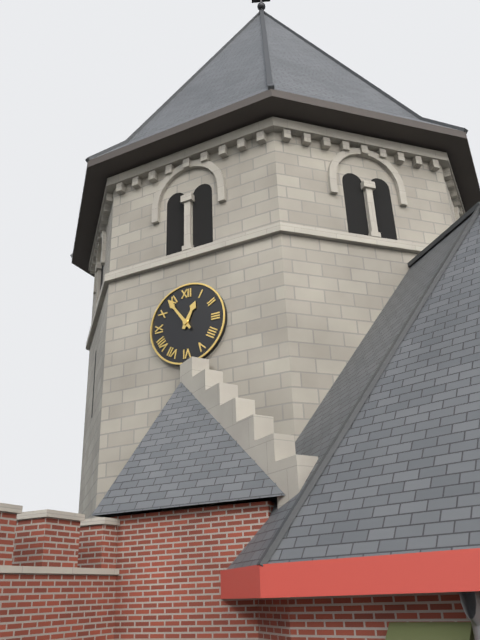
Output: 12h54
